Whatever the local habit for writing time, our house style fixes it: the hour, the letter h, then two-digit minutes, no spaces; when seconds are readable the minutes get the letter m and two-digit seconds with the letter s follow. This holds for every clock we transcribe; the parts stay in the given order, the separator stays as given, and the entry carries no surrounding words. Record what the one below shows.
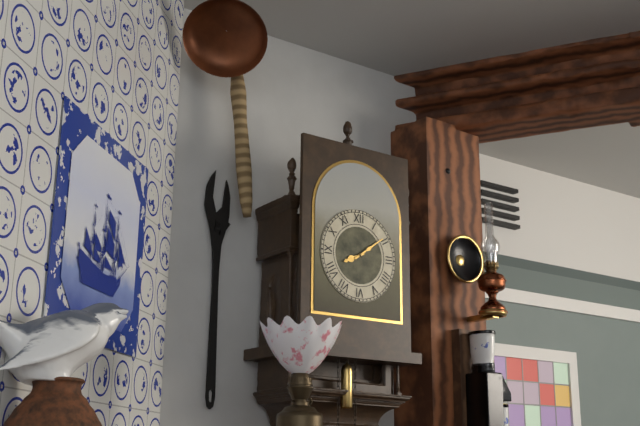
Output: 8h09
